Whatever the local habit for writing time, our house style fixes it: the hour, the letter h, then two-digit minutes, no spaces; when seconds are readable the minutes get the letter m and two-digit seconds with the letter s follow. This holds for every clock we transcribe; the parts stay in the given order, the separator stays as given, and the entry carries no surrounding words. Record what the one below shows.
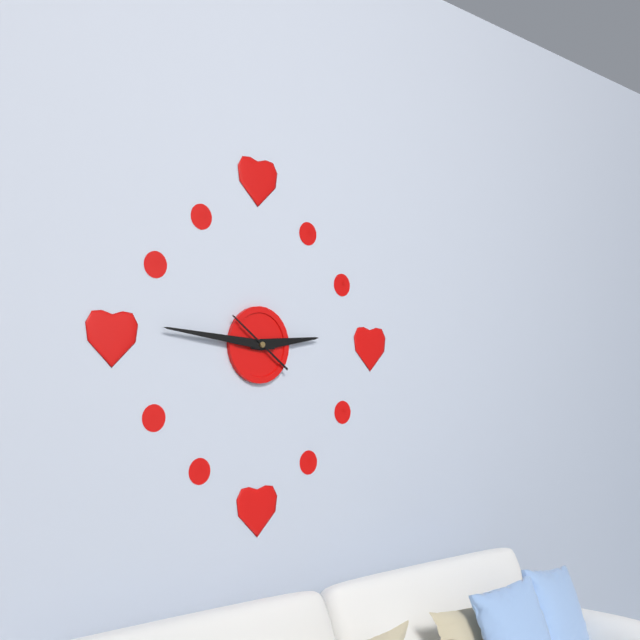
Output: 2h46m51s
